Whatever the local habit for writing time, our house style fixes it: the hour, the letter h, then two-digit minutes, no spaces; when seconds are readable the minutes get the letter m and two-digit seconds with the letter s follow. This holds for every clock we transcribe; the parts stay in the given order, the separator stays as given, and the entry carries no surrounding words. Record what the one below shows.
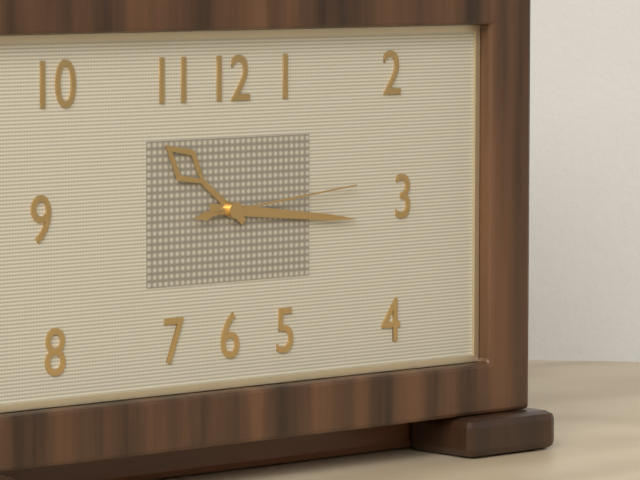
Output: 10h16m14s
